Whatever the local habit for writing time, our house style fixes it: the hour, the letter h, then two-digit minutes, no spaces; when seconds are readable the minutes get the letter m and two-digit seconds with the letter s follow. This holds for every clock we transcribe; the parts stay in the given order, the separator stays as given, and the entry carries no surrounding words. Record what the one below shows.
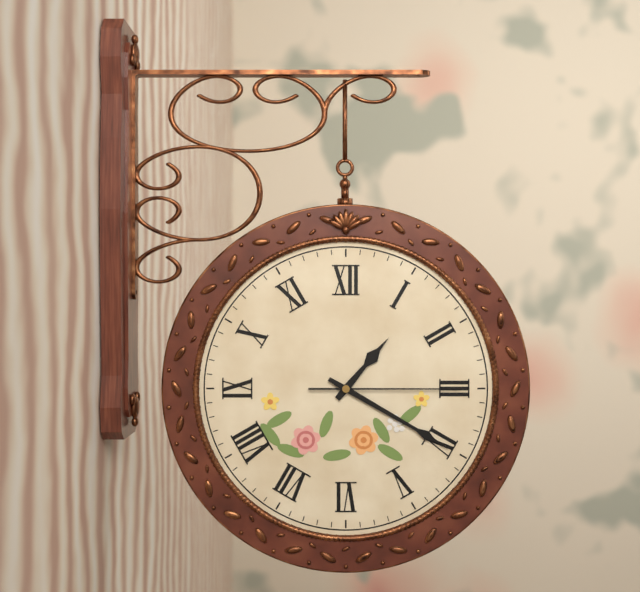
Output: 1h20m15s
